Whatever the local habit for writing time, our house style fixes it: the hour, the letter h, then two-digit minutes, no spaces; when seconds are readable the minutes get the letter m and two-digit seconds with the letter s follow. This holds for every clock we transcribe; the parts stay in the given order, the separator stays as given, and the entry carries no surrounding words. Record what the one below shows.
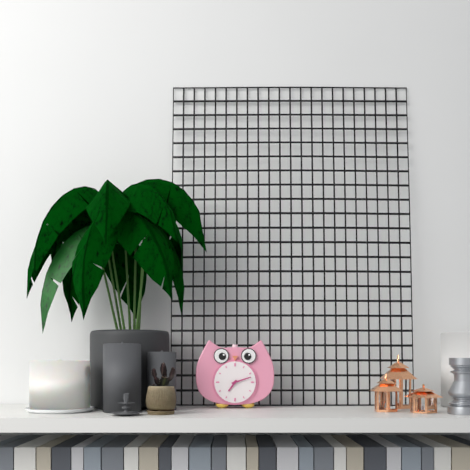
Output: 7h12
